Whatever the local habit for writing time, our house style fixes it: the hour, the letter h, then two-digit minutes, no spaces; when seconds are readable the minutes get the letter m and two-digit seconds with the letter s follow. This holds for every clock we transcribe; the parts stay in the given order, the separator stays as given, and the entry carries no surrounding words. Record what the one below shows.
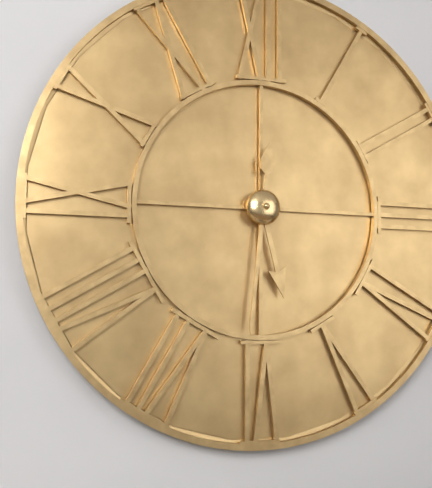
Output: 5h31
